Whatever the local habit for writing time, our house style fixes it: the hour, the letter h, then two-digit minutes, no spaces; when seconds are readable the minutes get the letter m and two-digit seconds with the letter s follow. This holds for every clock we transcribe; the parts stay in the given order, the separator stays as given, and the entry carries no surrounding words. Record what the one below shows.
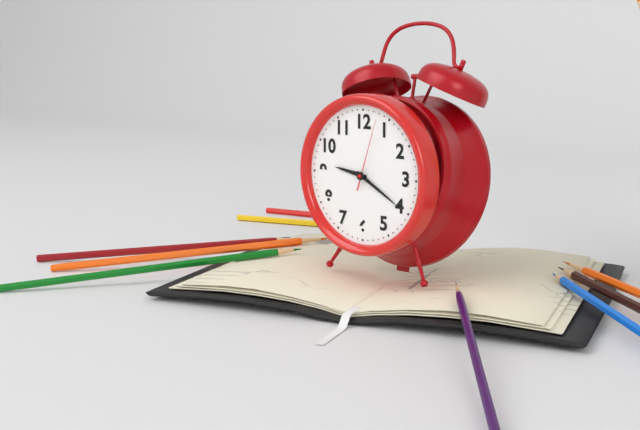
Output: 9h20m03s
